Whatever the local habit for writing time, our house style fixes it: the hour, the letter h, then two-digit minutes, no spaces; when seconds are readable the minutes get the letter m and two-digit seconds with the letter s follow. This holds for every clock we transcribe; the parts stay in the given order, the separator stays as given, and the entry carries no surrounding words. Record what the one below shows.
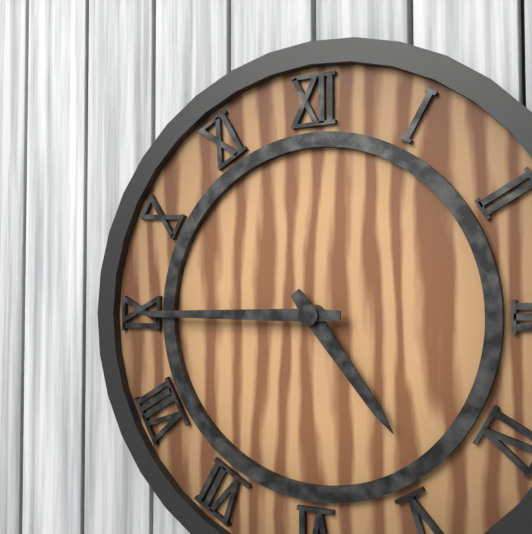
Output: 4h45
